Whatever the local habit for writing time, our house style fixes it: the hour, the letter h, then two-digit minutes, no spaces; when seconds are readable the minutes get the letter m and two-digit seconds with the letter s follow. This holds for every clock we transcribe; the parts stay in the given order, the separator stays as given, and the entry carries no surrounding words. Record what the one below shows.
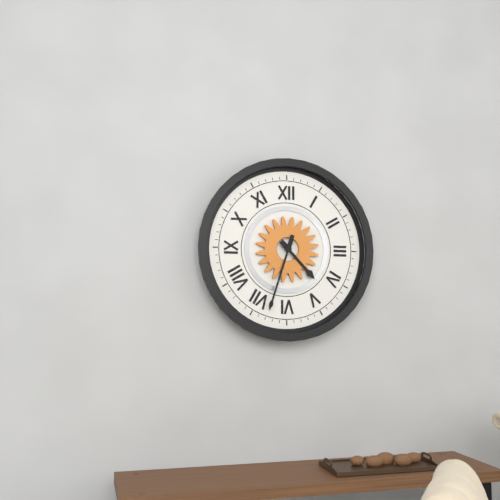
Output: 4h33
